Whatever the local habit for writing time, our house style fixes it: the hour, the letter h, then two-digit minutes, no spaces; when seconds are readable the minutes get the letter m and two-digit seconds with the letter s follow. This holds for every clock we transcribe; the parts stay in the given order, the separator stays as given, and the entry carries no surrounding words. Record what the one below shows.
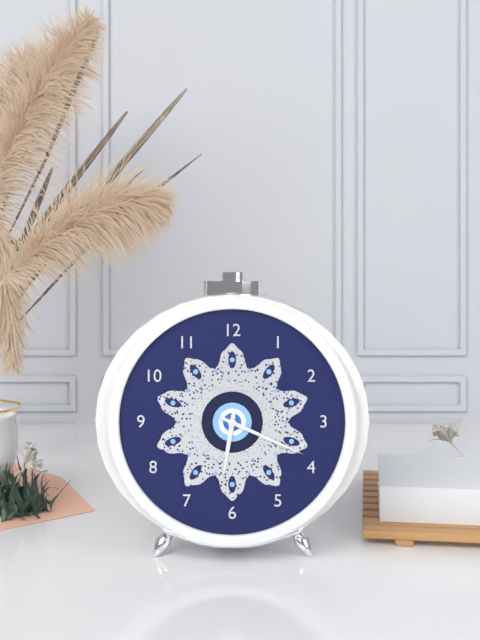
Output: 6h19
